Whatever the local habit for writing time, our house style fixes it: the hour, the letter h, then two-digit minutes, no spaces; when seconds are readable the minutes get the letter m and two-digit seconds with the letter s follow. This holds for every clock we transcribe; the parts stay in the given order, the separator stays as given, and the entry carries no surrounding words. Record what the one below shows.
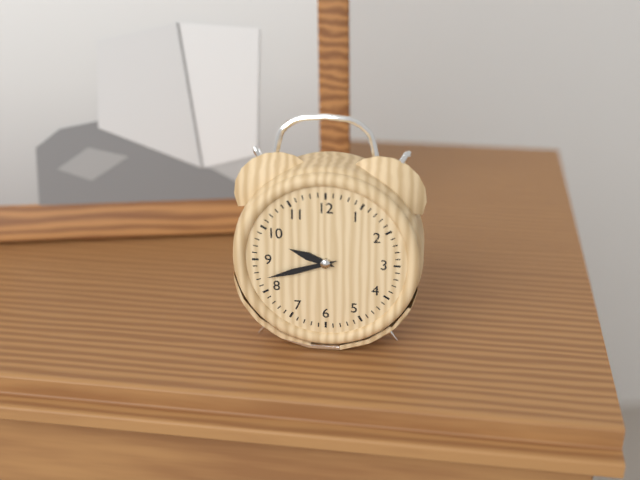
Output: 9h42
